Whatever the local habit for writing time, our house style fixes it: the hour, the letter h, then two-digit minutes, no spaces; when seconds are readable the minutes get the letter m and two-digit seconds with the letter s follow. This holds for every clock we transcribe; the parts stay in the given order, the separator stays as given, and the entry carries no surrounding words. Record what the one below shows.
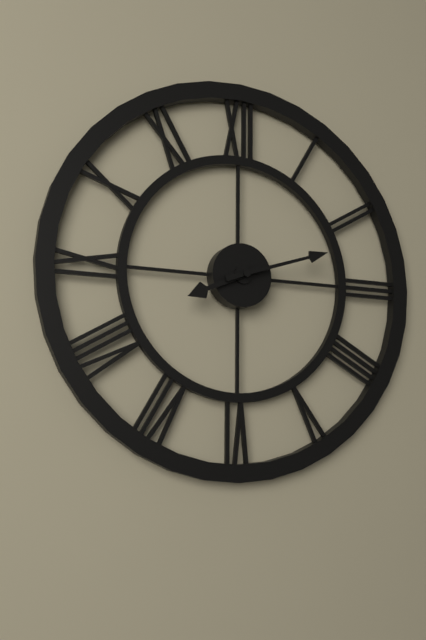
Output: 8h12
